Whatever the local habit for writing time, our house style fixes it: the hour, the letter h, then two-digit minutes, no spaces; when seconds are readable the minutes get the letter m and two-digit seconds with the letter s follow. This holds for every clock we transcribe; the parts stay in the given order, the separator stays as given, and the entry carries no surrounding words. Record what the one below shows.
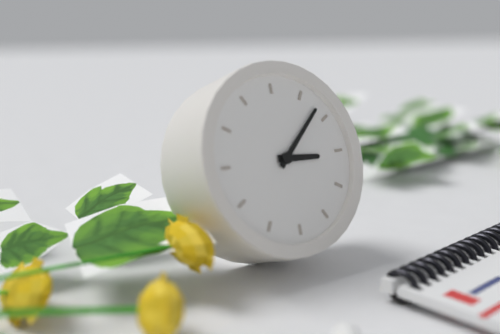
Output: 3h08
